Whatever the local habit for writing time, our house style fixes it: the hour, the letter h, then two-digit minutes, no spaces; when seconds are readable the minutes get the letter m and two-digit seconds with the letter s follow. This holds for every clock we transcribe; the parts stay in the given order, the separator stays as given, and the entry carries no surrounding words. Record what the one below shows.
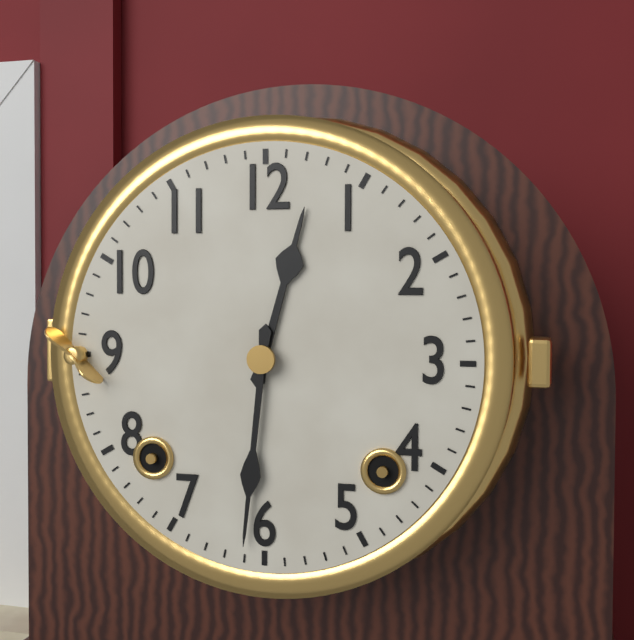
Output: 12h31
